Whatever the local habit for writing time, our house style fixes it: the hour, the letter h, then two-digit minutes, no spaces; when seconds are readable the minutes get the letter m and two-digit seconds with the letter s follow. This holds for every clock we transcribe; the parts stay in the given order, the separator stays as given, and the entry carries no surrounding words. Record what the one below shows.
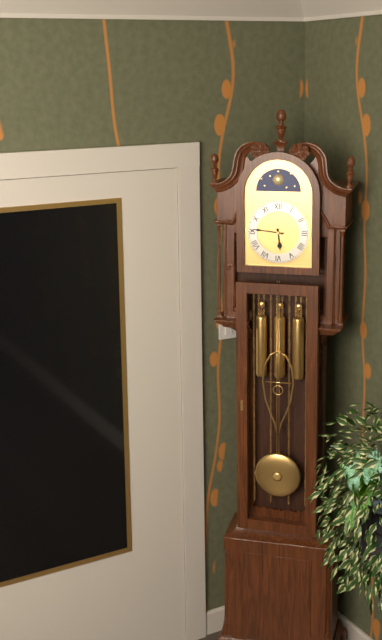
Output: 5h46
